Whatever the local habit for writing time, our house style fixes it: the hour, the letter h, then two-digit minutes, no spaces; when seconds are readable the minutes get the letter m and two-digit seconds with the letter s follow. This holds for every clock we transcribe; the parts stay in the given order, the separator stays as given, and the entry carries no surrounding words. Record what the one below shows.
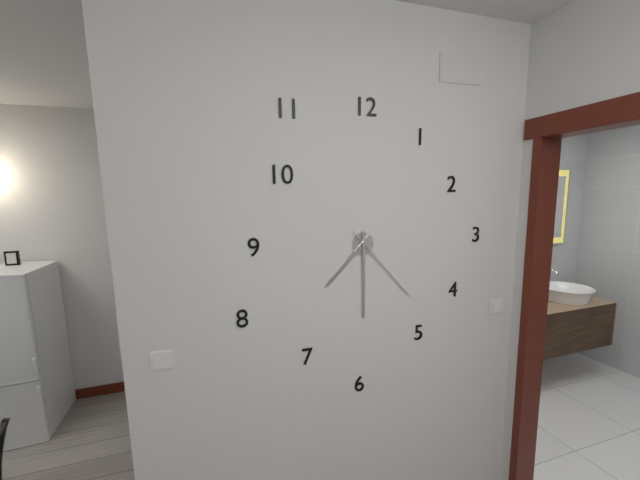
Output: 7h30m23s
